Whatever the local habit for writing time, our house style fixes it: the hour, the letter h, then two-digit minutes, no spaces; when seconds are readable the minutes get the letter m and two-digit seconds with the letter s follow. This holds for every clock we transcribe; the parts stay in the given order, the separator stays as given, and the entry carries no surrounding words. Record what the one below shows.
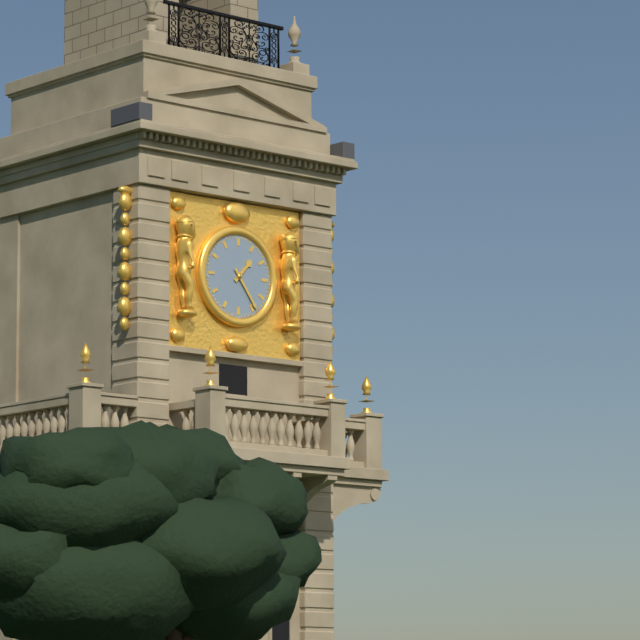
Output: 1h24
